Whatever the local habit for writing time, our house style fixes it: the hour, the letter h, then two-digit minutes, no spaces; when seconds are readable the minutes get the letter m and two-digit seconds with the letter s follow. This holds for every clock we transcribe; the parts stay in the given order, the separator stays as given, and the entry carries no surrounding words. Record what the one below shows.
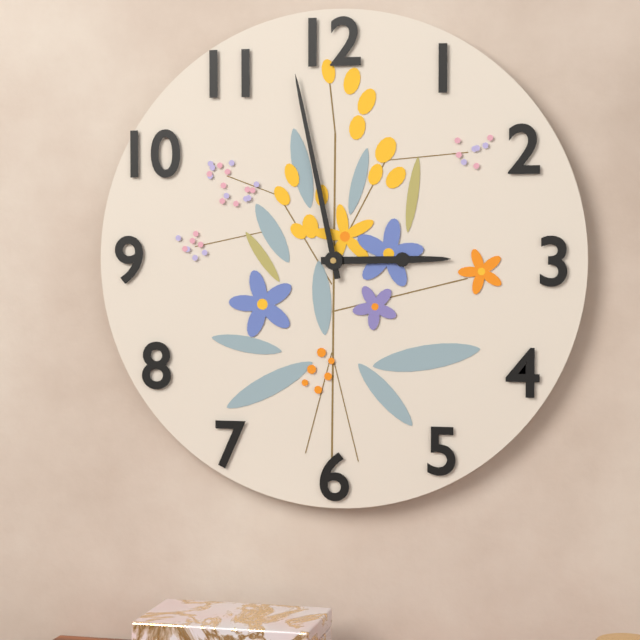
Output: 2h58
